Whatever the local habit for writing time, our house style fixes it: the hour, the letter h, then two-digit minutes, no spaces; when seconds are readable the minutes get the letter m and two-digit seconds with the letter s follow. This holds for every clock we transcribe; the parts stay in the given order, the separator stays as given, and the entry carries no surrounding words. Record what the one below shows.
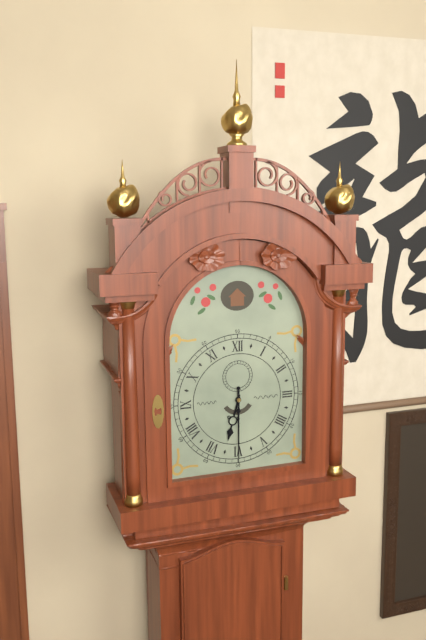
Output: 6h30
